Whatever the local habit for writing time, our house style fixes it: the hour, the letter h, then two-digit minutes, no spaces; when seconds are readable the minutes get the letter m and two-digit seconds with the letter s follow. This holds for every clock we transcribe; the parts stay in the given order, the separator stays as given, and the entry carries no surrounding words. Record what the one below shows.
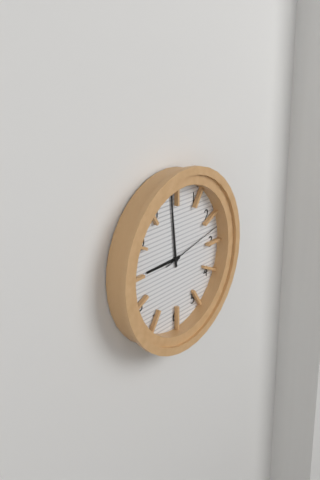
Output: 8h59m13s
